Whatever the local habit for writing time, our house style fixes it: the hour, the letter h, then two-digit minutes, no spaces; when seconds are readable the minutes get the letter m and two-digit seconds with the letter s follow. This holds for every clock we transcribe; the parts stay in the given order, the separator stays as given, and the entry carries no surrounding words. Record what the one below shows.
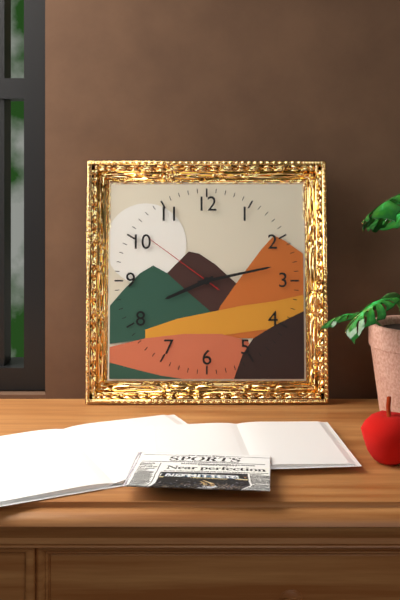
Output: 8h13m51s
